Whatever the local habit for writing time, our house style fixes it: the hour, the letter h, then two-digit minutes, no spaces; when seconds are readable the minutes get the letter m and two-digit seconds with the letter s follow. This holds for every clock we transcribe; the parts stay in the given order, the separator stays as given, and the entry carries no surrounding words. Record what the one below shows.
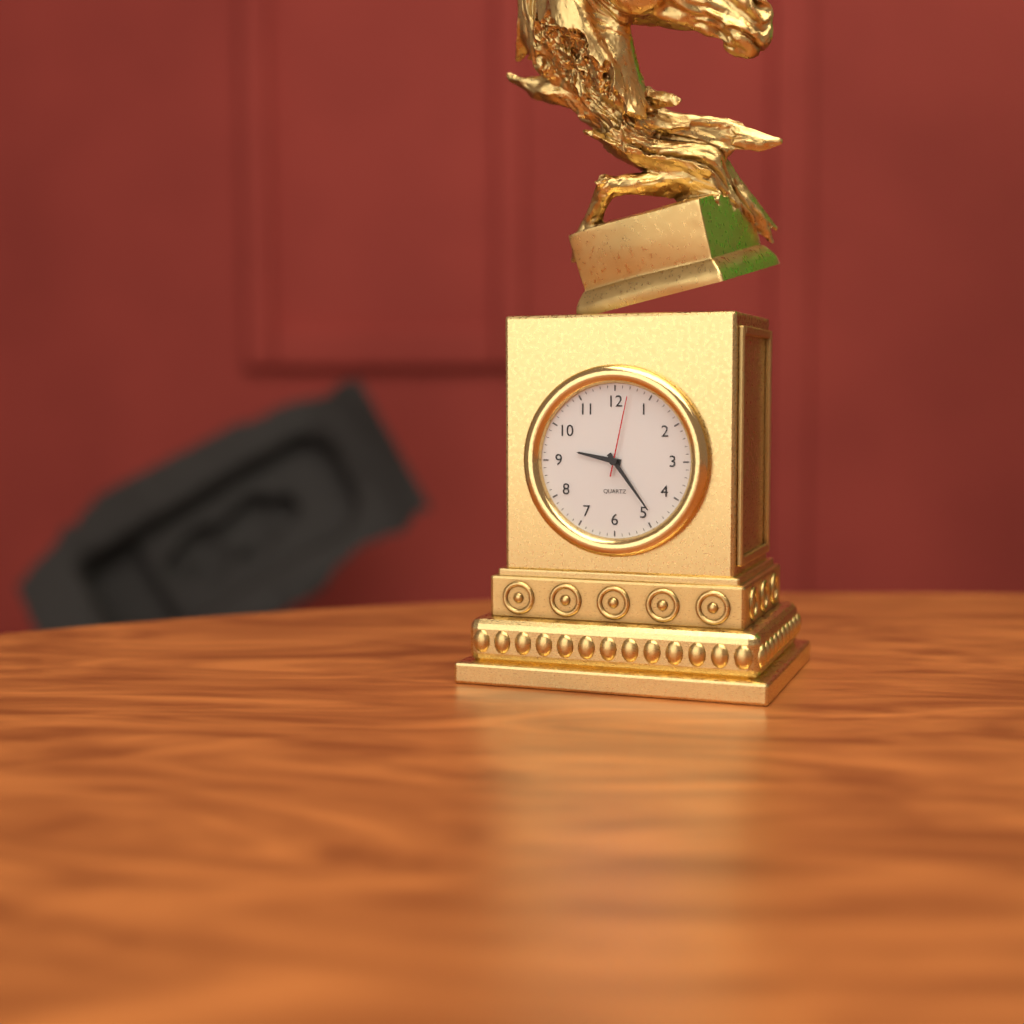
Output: 9h24m02s
